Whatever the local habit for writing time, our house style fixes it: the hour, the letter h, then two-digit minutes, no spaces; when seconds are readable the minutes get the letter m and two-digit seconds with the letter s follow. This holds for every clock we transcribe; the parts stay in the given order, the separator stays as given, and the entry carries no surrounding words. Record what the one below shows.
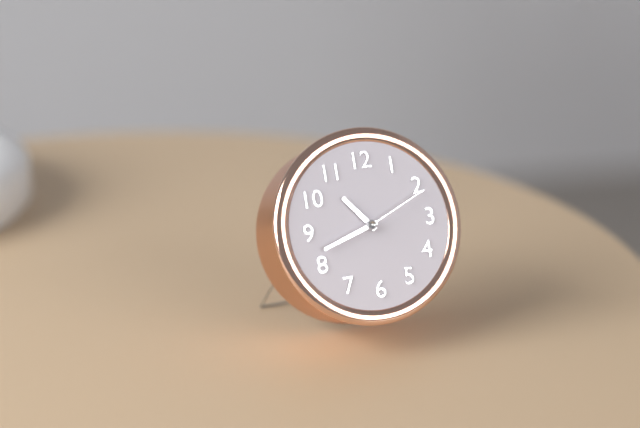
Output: 10h42m11s
